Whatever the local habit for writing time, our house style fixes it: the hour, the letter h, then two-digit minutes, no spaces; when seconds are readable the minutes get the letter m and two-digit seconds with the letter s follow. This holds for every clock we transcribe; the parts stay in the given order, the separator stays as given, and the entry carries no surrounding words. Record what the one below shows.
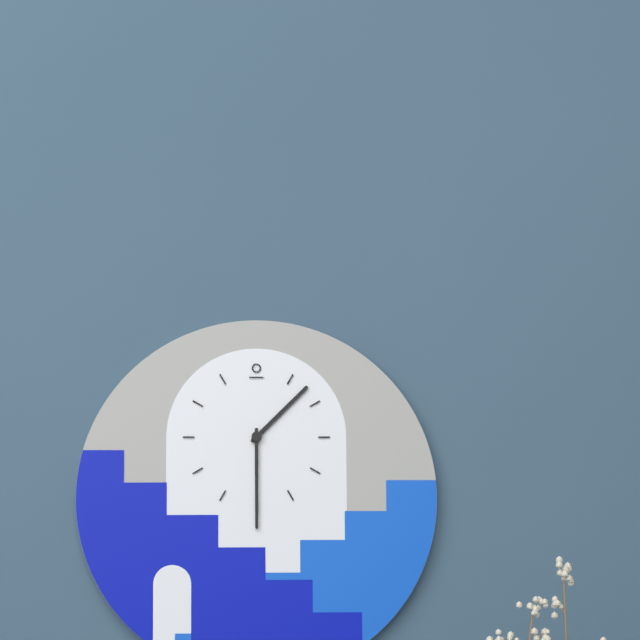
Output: 1h30
